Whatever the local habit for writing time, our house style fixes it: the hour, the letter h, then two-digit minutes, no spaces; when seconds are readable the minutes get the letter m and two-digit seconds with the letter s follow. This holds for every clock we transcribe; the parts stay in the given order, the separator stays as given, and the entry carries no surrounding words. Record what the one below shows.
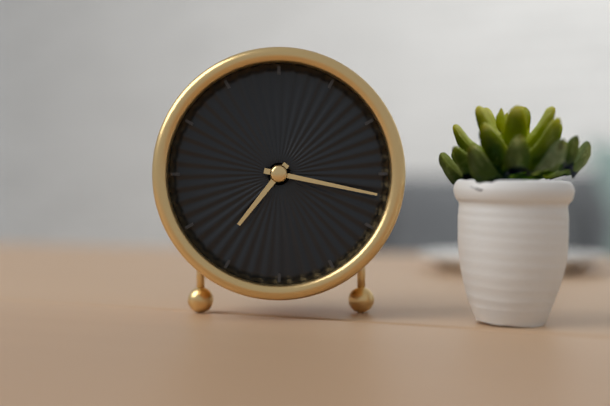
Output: 7h17
